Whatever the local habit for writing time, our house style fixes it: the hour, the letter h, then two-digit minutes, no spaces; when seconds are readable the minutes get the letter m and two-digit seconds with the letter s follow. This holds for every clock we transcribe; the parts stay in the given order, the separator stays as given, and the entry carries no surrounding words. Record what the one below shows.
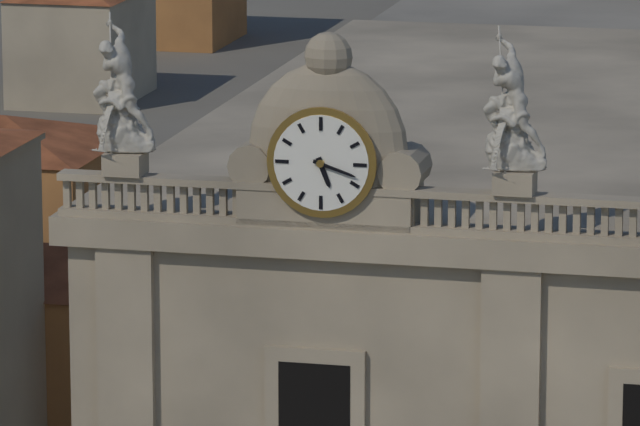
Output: 5h18
